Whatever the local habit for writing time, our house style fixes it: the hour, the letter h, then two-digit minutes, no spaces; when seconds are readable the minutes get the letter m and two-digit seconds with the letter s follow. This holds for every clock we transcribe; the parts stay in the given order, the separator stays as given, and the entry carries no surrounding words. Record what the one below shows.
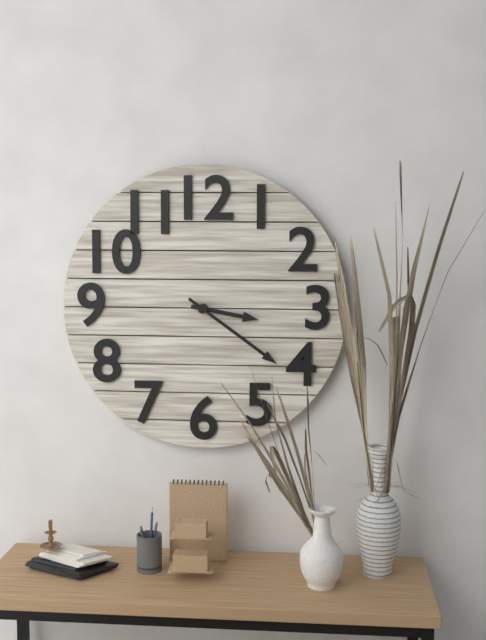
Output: 3h21
